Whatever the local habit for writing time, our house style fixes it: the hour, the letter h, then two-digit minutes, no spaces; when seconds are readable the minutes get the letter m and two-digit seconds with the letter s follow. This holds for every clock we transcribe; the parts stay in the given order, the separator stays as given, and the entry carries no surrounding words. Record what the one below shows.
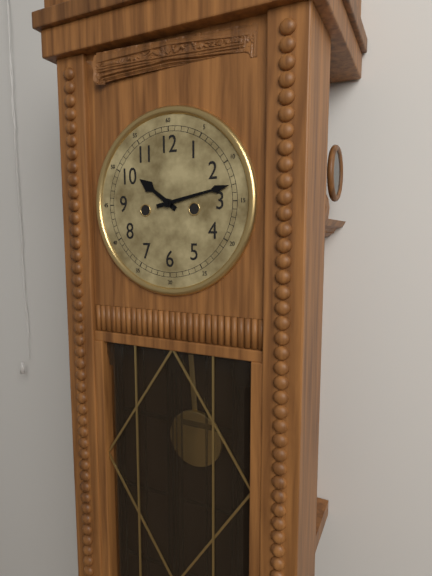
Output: 10h13
